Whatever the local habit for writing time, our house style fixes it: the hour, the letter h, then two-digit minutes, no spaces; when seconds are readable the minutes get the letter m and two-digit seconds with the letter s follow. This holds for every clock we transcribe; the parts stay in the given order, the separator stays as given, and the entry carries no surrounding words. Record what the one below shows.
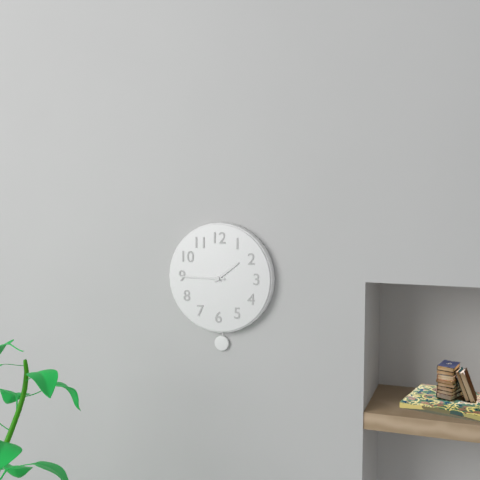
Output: 1h45
